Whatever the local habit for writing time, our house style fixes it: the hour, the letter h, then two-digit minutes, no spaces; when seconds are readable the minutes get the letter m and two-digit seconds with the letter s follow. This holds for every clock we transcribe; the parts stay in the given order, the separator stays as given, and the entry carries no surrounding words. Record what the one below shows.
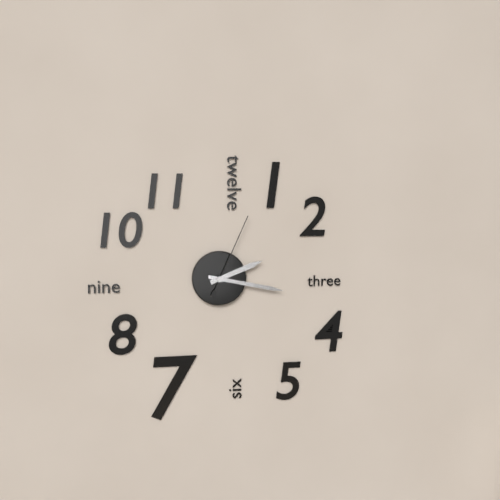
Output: 2h17m04s
